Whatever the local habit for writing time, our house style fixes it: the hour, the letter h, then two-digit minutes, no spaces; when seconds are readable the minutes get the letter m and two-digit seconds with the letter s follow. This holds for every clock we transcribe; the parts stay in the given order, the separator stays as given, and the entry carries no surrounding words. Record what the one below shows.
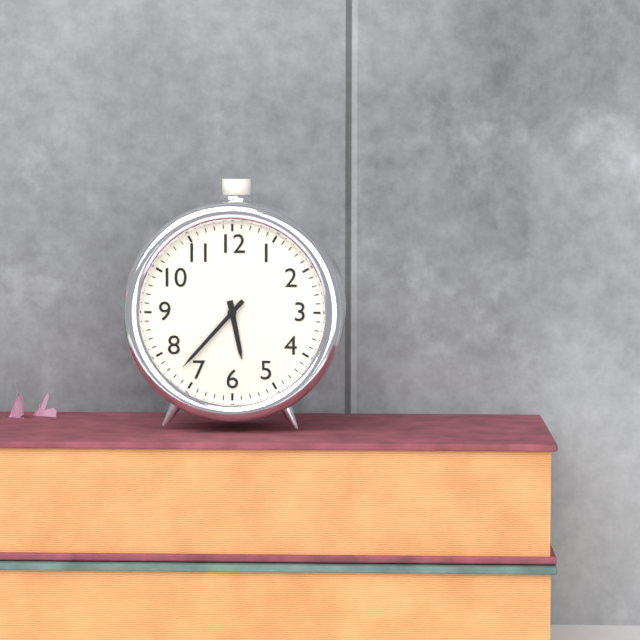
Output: 5h37
